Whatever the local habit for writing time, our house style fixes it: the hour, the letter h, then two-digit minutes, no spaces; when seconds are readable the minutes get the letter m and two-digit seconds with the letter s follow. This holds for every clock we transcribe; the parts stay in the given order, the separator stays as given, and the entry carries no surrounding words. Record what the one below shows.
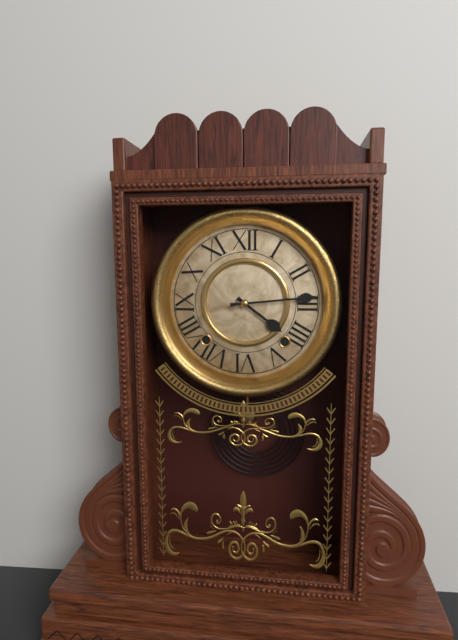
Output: 4h14
